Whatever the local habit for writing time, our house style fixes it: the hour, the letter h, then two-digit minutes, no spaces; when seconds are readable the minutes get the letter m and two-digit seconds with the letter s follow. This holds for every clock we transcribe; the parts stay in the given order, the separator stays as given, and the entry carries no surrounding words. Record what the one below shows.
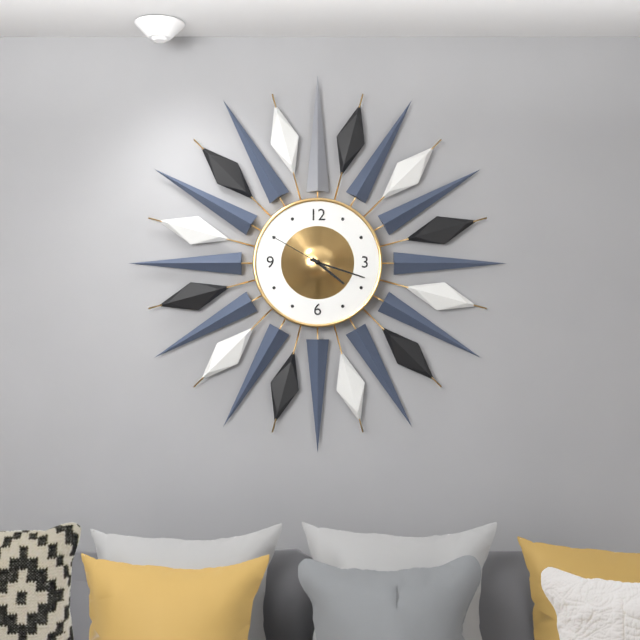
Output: 4h18m50s
